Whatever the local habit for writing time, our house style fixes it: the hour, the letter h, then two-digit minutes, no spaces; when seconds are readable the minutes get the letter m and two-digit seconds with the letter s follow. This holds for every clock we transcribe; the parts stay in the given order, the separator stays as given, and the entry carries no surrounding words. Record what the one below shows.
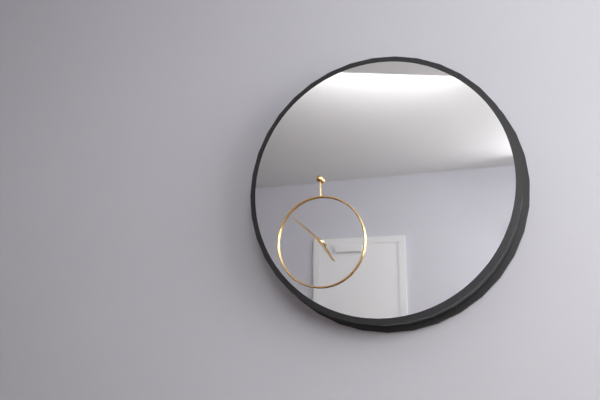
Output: 4h52
